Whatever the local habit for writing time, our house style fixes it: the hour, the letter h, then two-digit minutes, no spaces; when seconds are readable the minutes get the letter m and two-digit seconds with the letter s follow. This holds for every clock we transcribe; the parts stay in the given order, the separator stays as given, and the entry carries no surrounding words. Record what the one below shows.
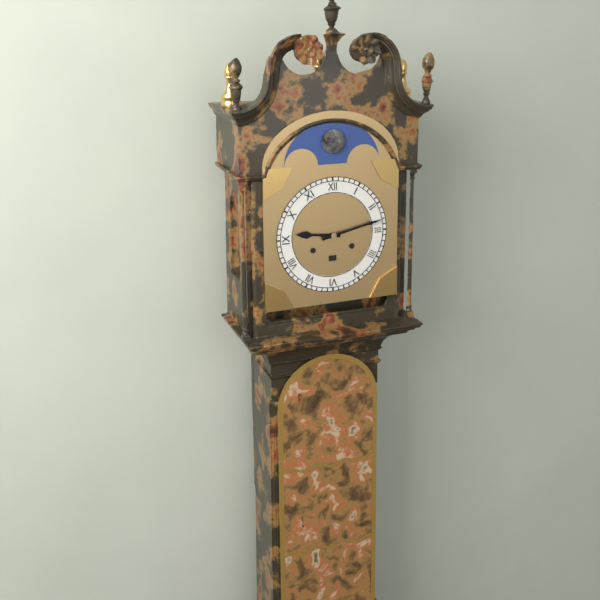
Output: 9h13
